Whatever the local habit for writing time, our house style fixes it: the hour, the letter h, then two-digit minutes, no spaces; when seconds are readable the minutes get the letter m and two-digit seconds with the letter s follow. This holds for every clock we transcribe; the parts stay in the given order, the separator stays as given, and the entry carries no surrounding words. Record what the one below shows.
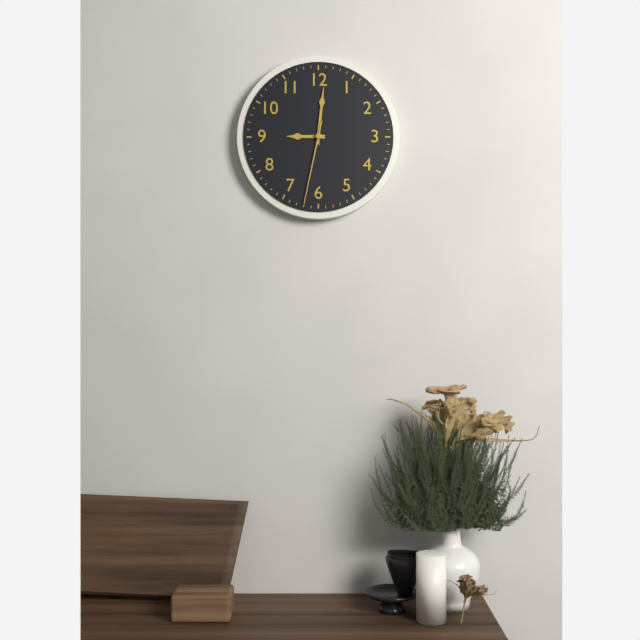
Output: 9h01m32s
